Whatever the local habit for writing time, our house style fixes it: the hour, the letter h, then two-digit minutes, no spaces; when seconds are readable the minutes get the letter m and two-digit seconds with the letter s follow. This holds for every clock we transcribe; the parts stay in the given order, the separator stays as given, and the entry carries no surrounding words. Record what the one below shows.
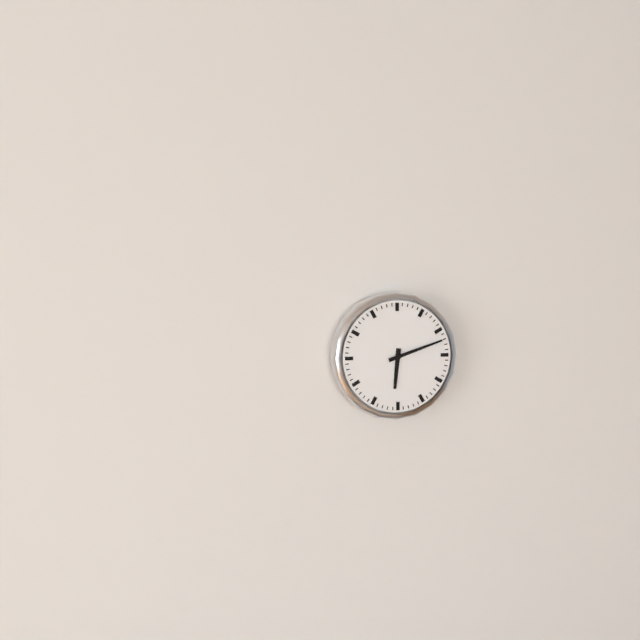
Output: 6h12
